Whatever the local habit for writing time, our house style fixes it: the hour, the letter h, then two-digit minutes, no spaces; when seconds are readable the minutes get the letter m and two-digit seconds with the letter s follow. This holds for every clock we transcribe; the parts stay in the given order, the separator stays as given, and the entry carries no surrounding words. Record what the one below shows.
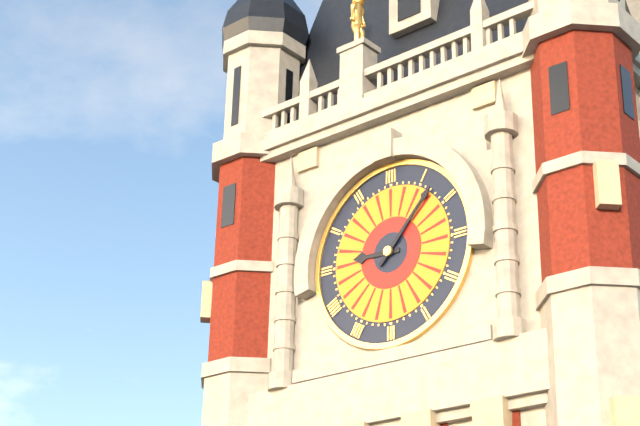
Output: 9h07
